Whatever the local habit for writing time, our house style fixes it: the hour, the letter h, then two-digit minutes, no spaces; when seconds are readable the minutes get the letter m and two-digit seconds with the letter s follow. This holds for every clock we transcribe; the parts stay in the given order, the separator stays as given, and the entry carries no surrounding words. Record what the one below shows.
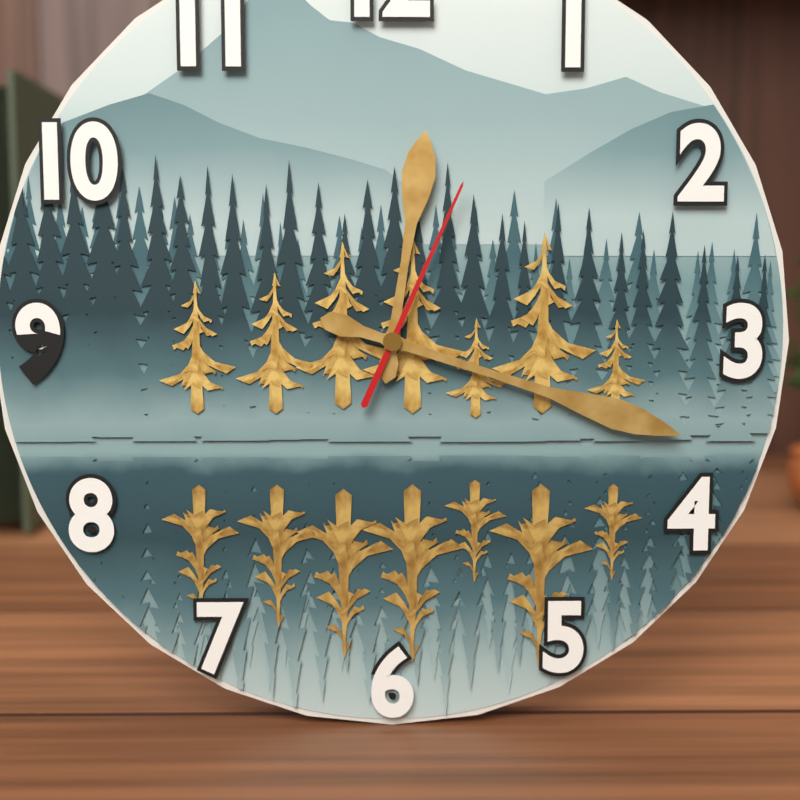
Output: 12h18m04s
